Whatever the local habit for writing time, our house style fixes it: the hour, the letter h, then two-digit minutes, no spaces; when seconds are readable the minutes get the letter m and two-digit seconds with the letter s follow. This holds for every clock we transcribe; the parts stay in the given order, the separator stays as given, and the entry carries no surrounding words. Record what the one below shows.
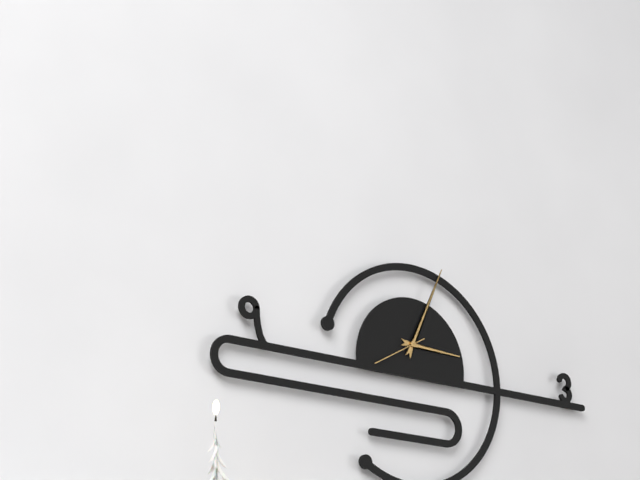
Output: 3h04
